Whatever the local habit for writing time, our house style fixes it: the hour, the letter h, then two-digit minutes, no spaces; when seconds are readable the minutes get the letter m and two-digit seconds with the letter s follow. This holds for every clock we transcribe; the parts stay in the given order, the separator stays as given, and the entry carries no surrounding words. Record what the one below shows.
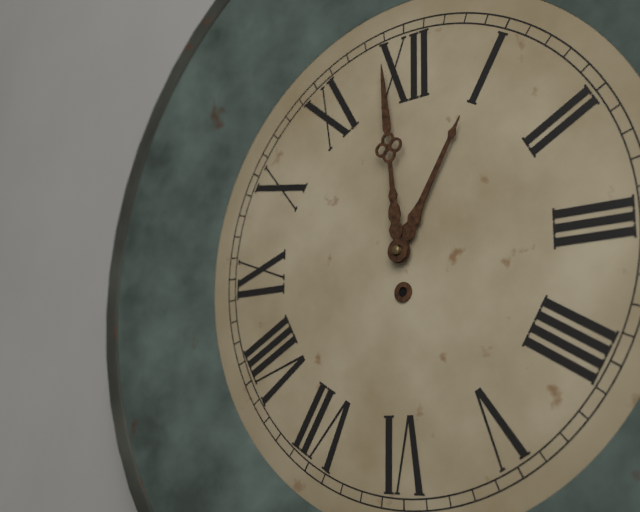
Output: 12h59
